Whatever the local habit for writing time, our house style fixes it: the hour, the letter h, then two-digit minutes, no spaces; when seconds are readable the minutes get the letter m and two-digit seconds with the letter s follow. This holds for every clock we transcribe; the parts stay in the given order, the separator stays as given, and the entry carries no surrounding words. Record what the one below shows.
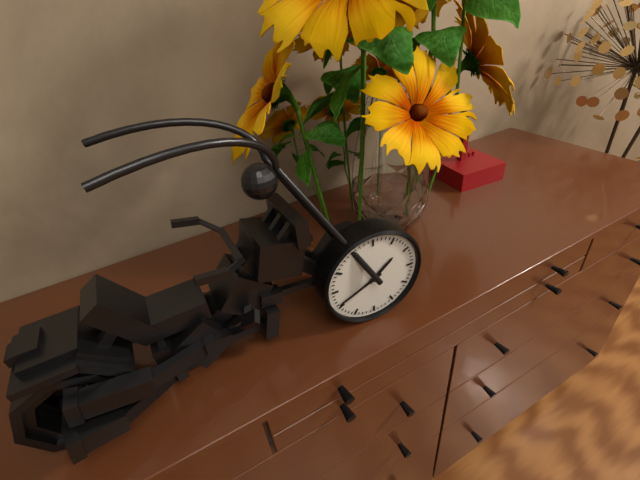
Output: 1h41
